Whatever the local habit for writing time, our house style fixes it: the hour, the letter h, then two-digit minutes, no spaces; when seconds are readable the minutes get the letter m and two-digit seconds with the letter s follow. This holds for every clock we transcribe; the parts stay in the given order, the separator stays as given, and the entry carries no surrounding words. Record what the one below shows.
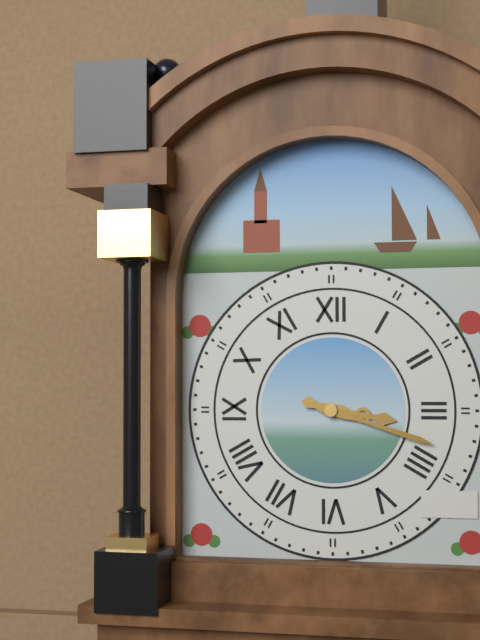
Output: 3h18
